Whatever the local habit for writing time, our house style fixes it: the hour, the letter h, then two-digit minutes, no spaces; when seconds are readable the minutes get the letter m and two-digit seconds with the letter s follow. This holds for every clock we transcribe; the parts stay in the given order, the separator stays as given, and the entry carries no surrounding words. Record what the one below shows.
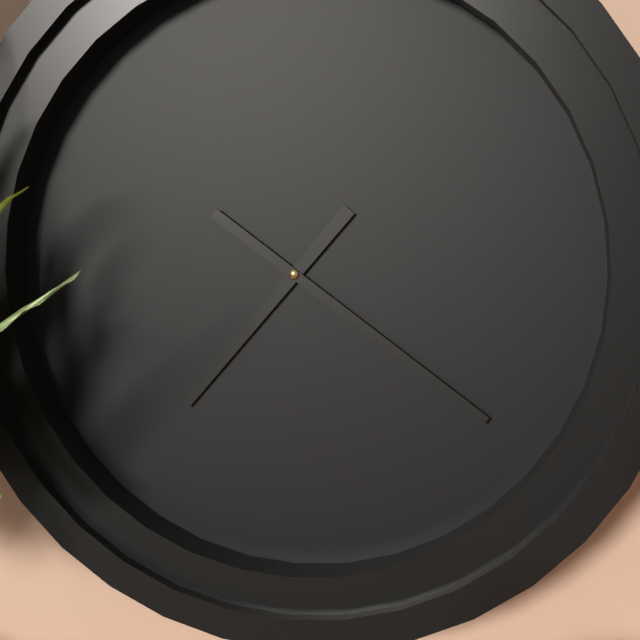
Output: 7h21
